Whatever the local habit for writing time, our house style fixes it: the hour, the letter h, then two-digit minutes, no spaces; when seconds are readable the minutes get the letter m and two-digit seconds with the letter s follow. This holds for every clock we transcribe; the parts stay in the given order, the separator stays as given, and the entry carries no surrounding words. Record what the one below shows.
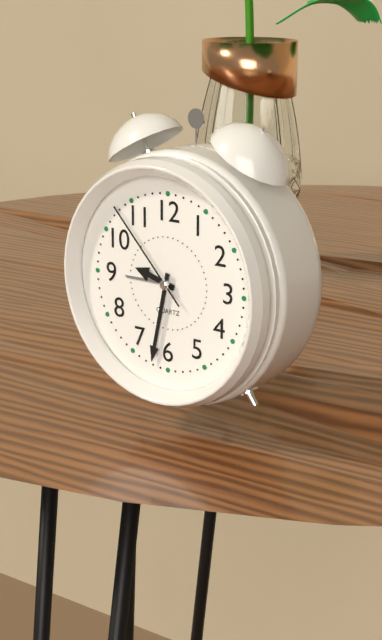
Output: 9h32m53s
